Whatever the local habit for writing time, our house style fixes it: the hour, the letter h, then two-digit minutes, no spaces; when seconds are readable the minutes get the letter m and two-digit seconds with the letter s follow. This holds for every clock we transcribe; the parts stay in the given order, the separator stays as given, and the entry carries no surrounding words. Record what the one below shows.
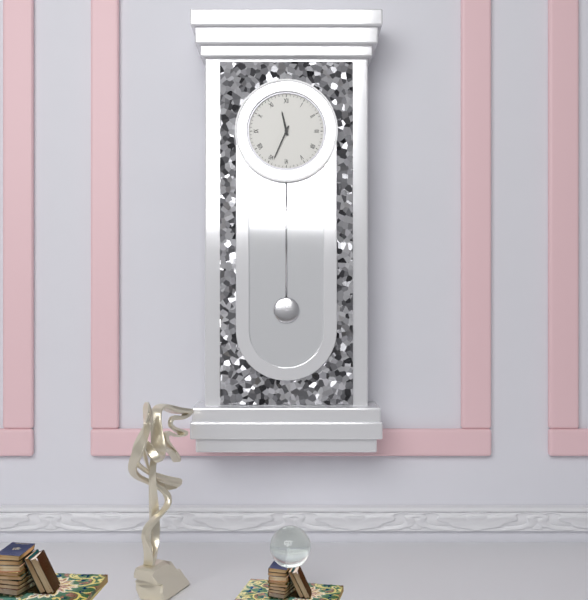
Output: 11h34
